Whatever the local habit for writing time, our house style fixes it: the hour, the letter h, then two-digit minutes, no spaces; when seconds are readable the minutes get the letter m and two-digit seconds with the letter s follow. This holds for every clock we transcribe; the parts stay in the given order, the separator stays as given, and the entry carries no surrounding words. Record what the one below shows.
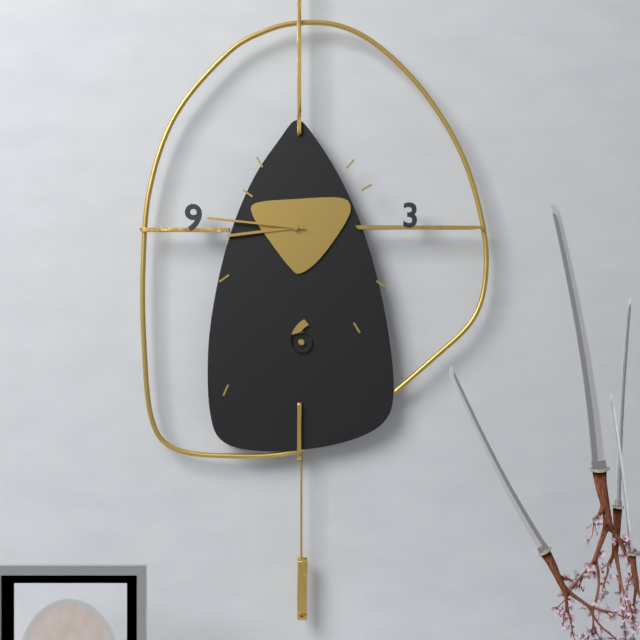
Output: 8h46
